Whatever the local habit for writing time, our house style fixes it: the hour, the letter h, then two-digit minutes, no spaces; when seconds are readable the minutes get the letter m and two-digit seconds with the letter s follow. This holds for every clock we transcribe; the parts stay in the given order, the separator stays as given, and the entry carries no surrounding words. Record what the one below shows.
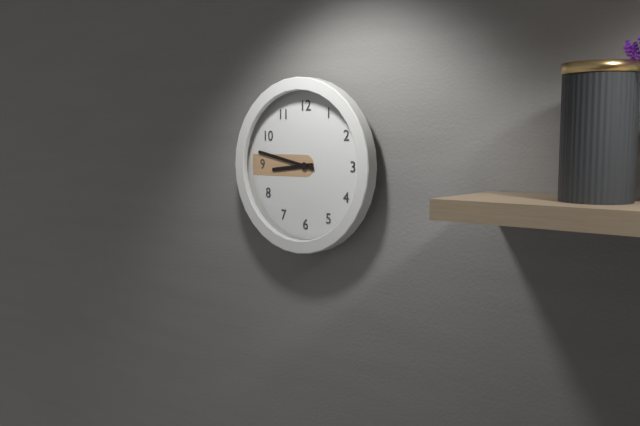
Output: 8h47
